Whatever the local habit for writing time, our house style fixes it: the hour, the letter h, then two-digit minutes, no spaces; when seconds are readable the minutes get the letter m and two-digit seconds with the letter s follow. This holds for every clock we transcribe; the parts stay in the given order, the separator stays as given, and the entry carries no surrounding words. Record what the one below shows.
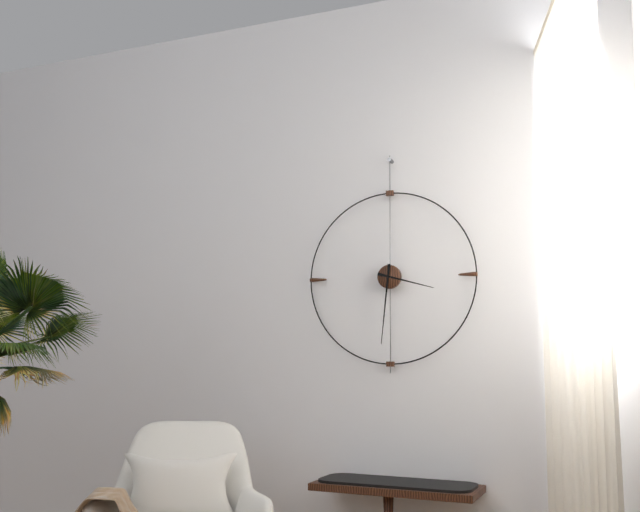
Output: 3h31
